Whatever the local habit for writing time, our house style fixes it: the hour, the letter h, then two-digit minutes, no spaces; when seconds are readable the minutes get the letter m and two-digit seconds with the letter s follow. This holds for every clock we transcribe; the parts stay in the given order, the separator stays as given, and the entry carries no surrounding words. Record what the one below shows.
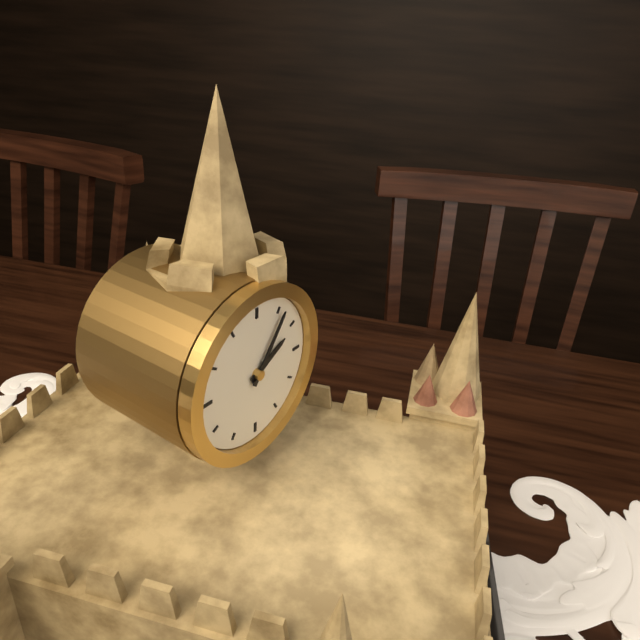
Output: 2h06
